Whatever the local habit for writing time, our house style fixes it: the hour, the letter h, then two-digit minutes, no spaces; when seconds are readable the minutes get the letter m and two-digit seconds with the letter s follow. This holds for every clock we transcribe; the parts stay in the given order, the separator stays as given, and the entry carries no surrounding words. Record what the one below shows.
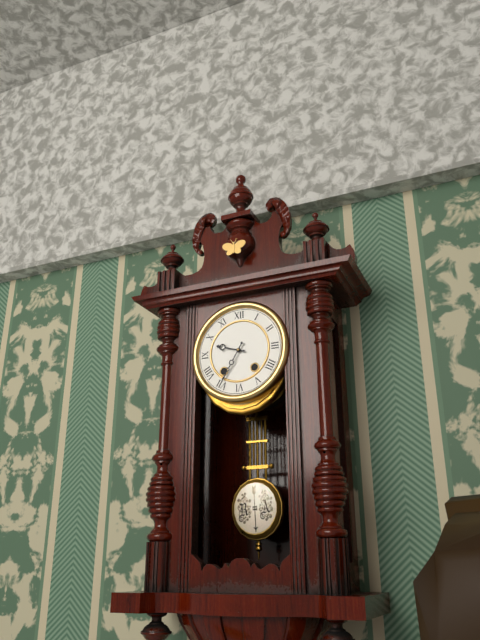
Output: 9h35
